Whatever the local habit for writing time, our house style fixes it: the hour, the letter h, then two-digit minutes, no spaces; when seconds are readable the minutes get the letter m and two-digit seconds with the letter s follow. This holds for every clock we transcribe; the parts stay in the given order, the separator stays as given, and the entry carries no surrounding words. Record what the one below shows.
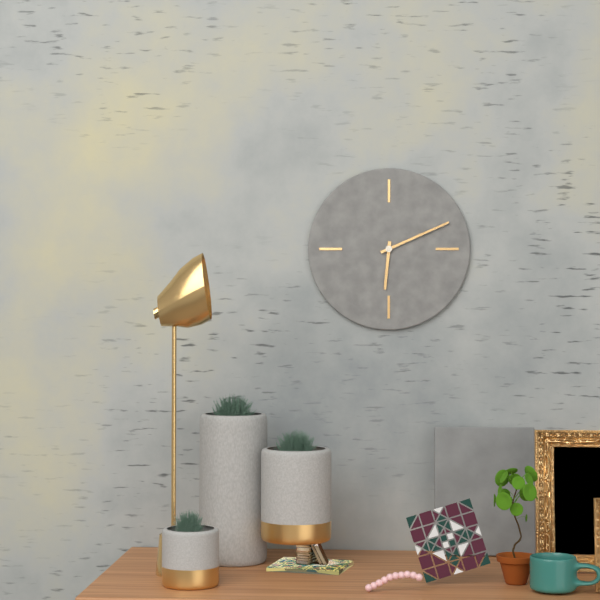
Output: 6h11
